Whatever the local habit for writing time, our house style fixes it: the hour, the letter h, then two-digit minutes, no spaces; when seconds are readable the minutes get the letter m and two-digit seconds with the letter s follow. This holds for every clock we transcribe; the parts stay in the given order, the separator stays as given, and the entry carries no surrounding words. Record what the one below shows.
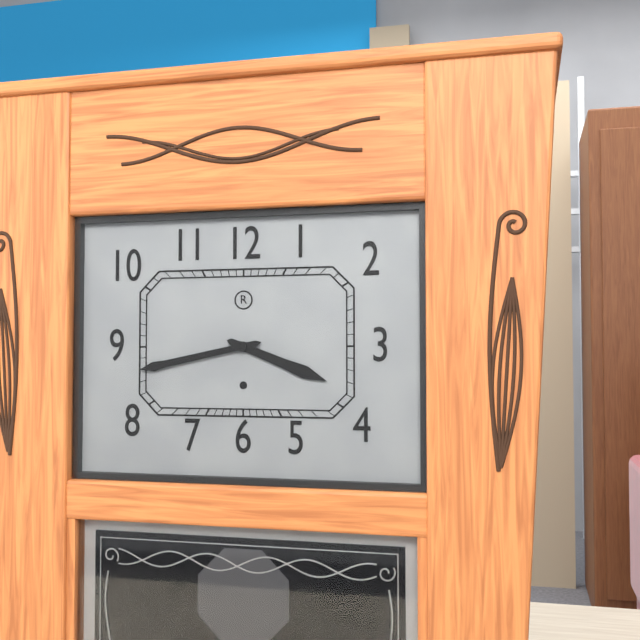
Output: 3h43
